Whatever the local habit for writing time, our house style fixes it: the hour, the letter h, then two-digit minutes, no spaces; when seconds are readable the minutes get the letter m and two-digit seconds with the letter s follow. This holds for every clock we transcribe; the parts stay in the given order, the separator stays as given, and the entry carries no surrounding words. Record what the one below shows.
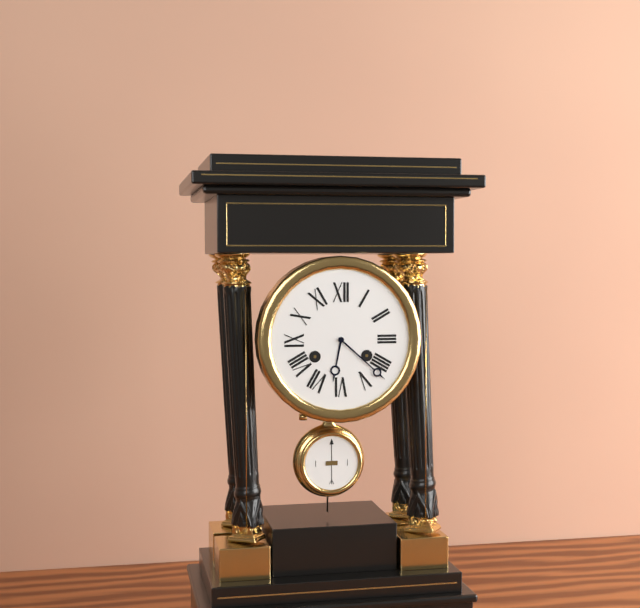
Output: 6h22
